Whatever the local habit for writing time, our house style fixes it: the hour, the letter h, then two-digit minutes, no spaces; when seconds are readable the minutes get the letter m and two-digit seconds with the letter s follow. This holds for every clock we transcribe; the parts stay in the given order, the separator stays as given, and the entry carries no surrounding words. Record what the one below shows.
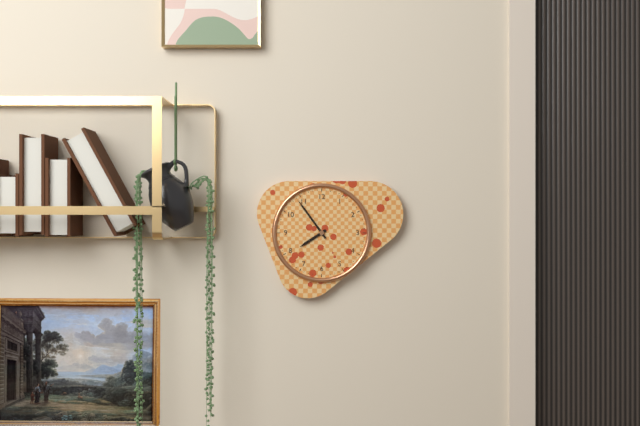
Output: 7h54
